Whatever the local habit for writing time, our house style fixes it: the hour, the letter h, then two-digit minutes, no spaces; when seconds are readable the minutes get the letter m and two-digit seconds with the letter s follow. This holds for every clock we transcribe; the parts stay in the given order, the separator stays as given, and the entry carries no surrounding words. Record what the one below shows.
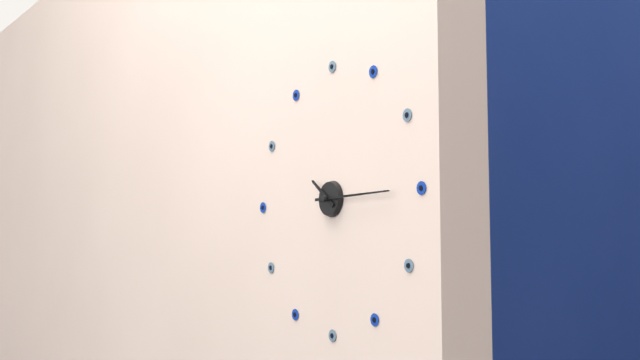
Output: 10h15
